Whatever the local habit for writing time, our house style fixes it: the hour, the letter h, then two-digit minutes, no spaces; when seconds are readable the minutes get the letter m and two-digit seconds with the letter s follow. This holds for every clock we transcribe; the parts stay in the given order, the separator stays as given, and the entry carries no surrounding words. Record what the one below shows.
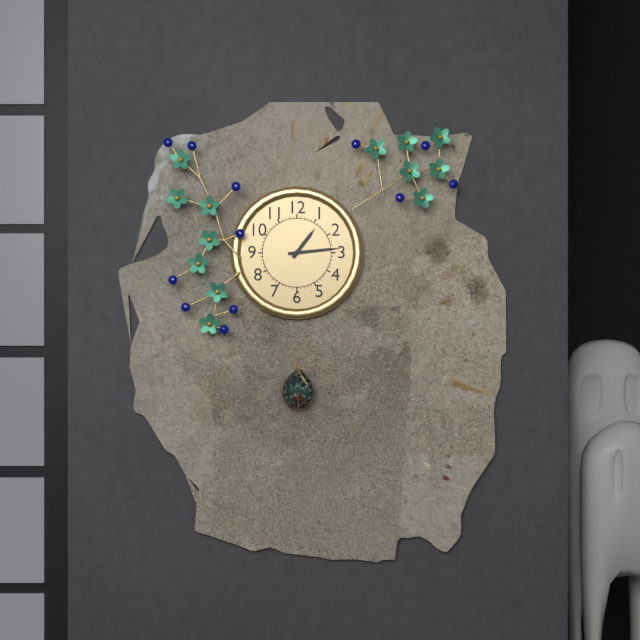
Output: 1h14
